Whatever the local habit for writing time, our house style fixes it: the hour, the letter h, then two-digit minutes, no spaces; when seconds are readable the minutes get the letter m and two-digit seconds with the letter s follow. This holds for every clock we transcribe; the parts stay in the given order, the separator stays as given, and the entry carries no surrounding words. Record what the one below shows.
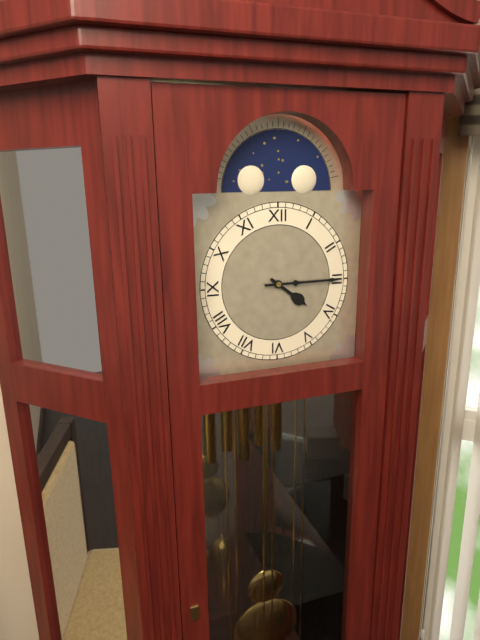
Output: 4h15
